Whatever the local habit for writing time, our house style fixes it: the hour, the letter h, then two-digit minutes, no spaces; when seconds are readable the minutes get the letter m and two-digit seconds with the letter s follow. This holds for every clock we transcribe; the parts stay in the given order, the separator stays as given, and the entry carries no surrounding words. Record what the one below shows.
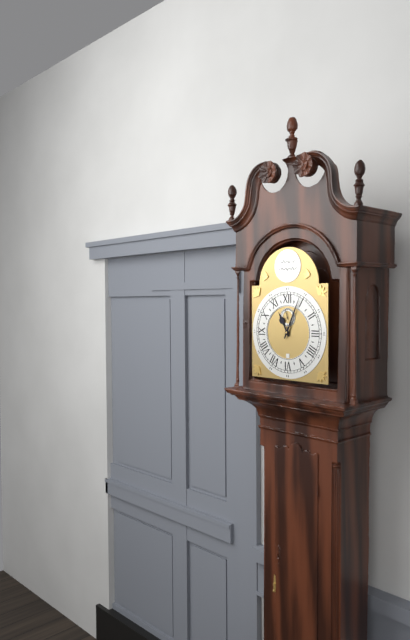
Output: 11h04
